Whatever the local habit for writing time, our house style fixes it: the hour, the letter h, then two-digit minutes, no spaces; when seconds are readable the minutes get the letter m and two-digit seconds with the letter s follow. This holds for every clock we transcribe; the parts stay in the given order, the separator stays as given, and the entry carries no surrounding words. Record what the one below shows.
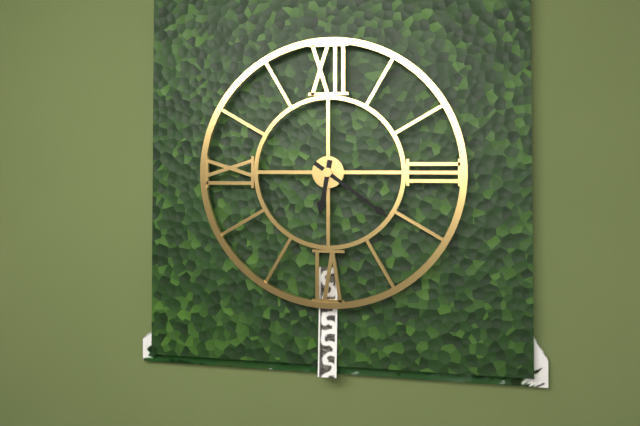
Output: 6h21
